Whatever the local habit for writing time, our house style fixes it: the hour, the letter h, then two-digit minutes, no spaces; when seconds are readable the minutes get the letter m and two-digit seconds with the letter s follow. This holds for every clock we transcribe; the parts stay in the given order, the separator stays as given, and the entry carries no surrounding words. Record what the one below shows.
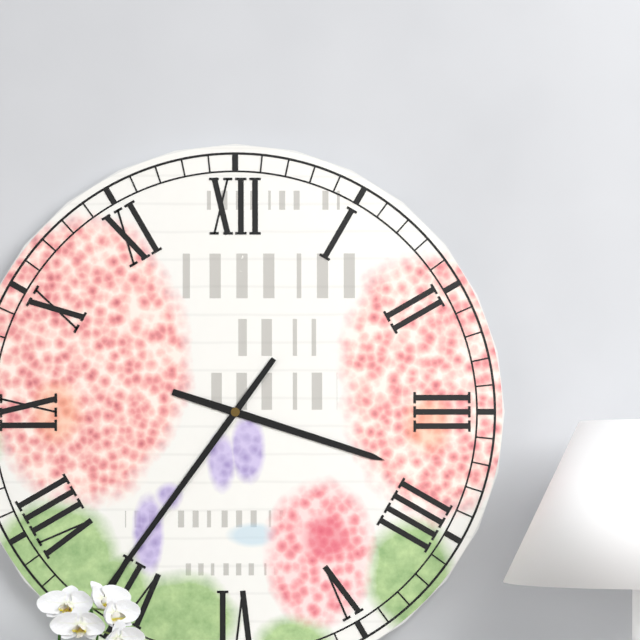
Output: 3h36
